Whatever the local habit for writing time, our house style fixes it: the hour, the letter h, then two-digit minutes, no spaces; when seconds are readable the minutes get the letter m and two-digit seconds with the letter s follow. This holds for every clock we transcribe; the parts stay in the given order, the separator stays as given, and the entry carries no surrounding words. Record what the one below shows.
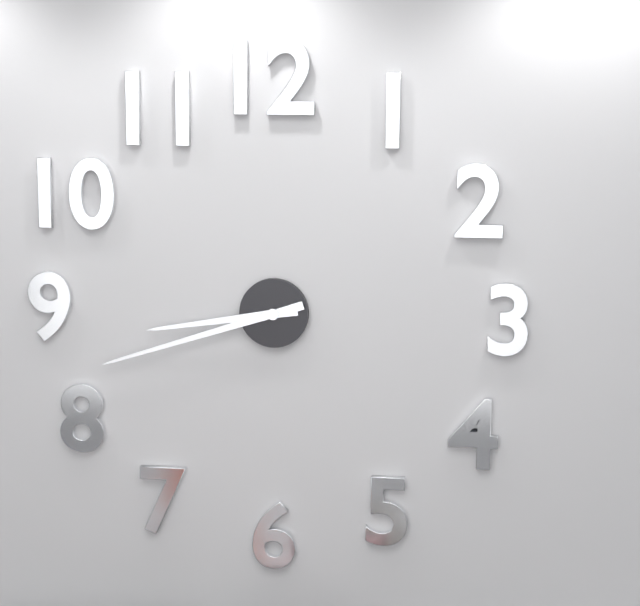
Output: 8h42
